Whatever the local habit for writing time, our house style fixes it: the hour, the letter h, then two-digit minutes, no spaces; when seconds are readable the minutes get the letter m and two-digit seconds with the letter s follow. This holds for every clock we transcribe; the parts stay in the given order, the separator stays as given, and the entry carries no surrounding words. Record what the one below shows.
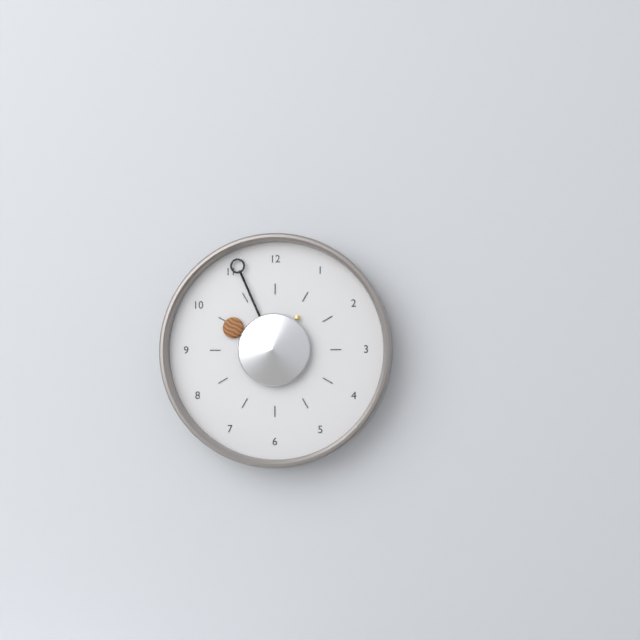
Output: 9h56
